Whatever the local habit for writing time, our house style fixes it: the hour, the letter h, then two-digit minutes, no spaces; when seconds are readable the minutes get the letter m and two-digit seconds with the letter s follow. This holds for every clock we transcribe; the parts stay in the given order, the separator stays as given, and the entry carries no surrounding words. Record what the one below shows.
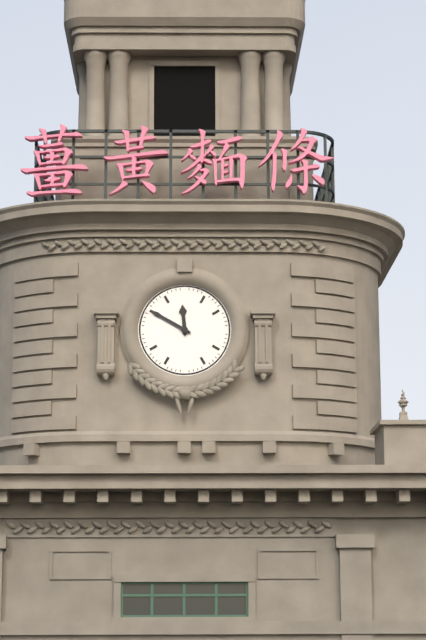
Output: 11h50
